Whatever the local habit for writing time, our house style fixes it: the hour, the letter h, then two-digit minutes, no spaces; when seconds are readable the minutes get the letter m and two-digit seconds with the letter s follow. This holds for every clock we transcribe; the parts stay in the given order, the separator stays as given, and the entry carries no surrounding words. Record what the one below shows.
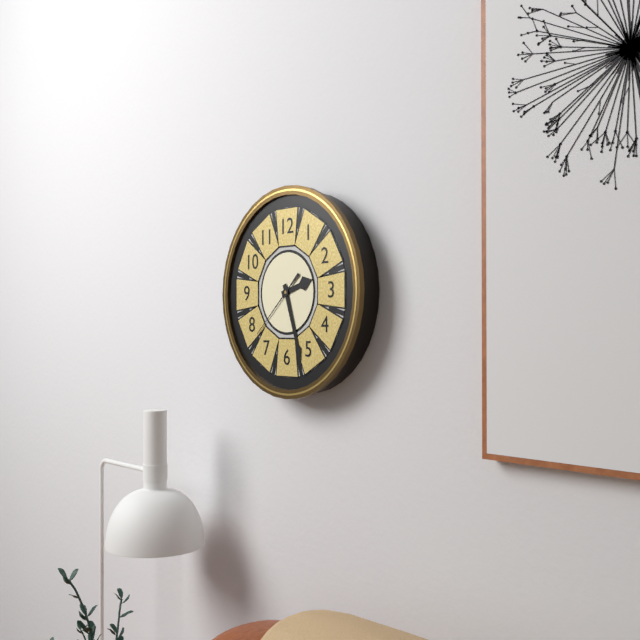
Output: 2h27m38s
